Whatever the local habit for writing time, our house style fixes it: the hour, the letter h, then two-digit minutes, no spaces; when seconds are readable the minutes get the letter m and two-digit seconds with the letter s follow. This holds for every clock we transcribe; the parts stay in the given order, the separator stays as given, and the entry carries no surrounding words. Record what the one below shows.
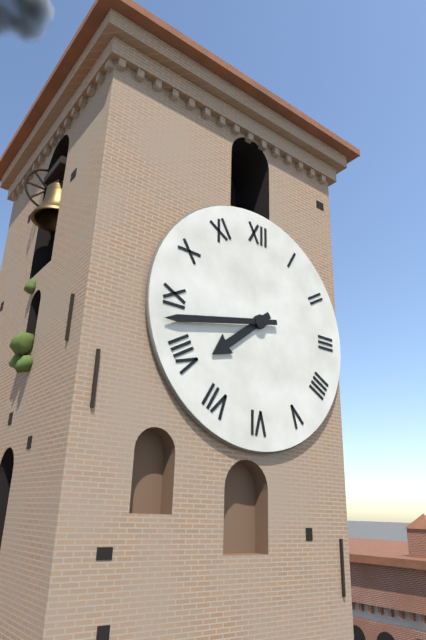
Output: 7h43
